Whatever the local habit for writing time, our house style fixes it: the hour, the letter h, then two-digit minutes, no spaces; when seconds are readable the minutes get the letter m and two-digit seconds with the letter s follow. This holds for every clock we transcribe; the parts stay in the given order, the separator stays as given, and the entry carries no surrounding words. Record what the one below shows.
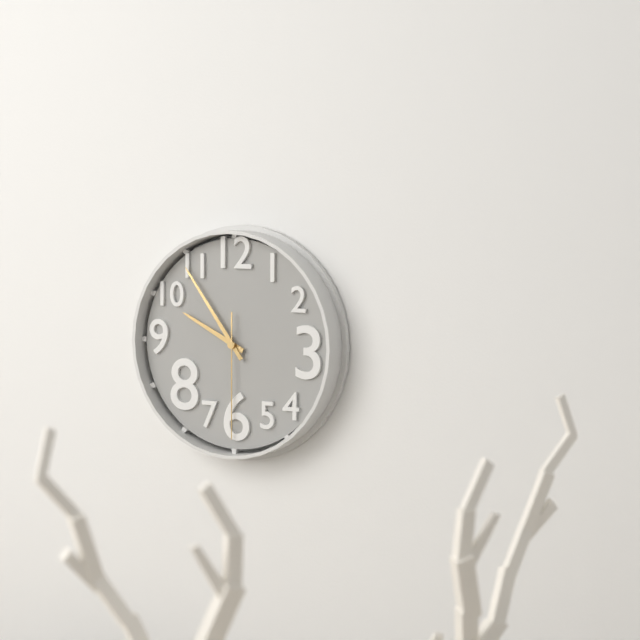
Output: 9h54m30s
